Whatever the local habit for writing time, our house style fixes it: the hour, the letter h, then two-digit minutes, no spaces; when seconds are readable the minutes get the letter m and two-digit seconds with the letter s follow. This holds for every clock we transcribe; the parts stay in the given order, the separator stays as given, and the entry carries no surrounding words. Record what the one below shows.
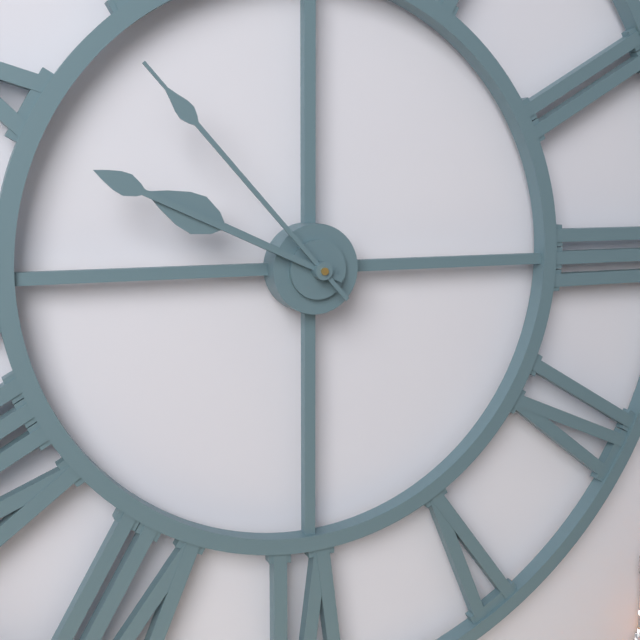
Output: 9h49m53s
